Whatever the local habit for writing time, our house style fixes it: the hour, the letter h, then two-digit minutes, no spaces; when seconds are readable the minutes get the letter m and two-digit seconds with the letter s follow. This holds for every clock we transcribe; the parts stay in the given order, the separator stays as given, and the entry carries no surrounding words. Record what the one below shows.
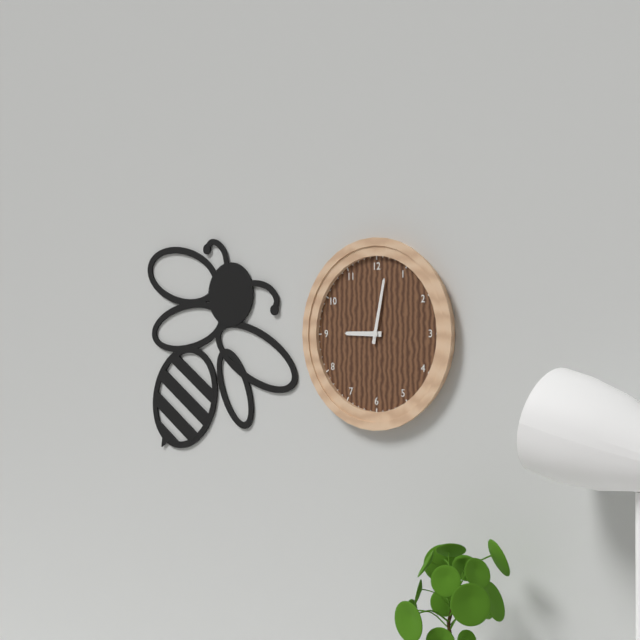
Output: 9h02
